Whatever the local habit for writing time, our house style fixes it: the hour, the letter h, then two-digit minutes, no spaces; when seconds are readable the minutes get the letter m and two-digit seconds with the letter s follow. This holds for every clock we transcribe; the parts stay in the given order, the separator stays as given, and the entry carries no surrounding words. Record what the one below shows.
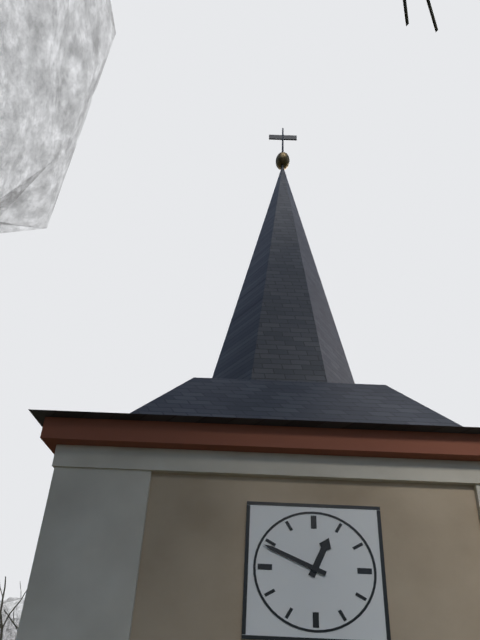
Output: 12h49
